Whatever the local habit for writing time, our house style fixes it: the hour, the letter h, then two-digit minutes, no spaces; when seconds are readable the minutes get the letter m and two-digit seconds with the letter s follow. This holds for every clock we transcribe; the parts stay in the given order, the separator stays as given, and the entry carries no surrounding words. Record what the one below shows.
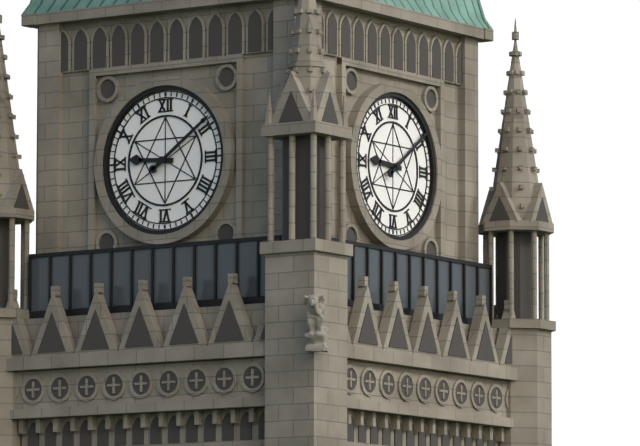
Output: 9h09
